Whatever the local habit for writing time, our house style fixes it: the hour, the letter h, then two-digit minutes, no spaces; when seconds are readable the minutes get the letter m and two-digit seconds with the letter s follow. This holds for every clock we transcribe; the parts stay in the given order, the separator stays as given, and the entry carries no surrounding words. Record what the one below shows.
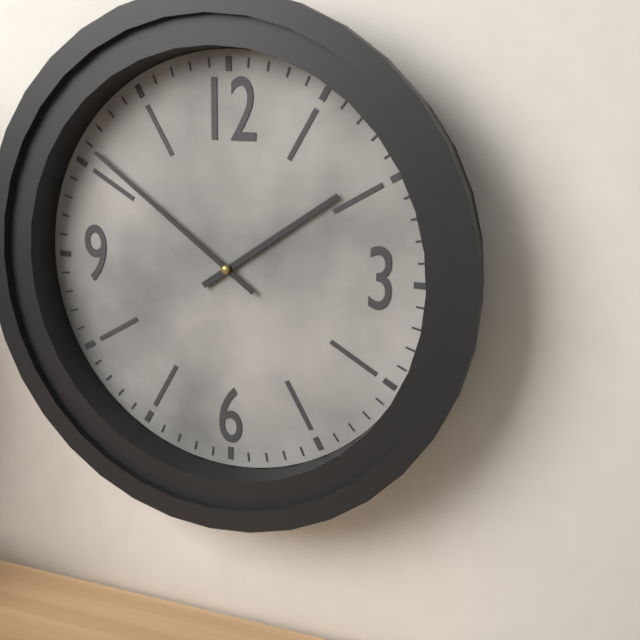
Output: 1h51
